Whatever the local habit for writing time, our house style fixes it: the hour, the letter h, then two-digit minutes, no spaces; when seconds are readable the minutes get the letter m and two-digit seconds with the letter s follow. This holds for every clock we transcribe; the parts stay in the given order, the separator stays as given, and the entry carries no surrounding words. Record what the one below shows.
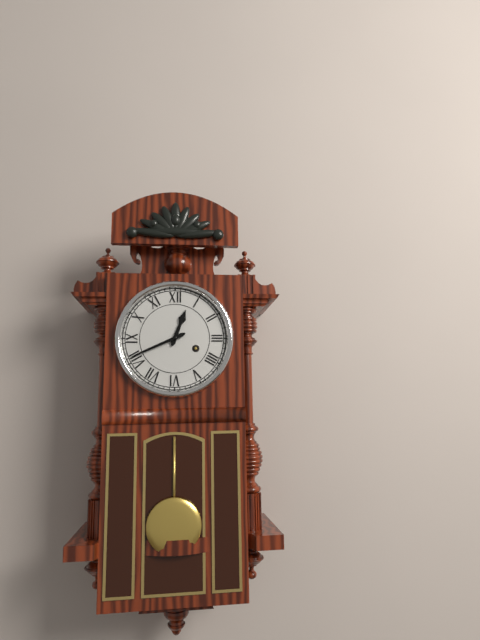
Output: 12h41
